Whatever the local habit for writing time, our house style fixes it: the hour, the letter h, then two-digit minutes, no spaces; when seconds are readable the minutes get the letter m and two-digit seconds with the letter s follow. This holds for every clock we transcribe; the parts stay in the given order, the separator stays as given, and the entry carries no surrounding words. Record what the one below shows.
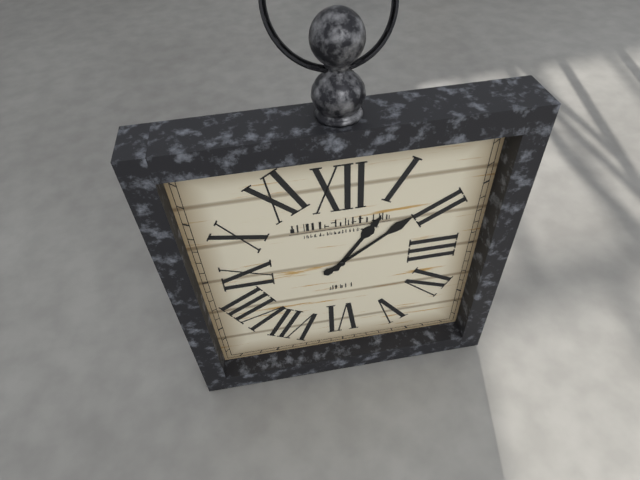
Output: 1h09
